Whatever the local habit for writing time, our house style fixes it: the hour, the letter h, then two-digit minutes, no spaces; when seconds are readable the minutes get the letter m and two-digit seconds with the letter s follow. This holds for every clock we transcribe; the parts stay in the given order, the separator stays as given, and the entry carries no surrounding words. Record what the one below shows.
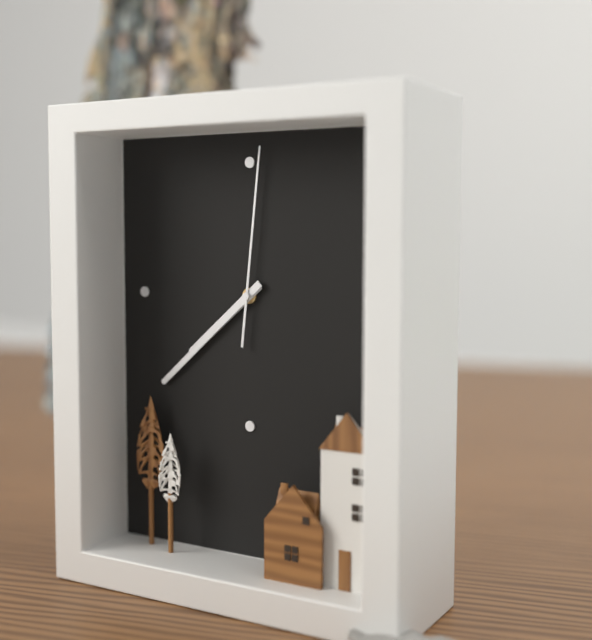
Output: 7h38m01s
